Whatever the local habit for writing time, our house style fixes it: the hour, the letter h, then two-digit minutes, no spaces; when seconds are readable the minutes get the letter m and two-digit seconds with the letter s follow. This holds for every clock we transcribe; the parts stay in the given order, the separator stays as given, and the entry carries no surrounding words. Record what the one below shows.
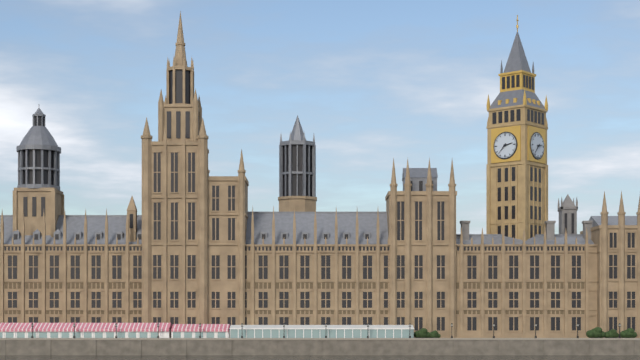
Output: 2h37
